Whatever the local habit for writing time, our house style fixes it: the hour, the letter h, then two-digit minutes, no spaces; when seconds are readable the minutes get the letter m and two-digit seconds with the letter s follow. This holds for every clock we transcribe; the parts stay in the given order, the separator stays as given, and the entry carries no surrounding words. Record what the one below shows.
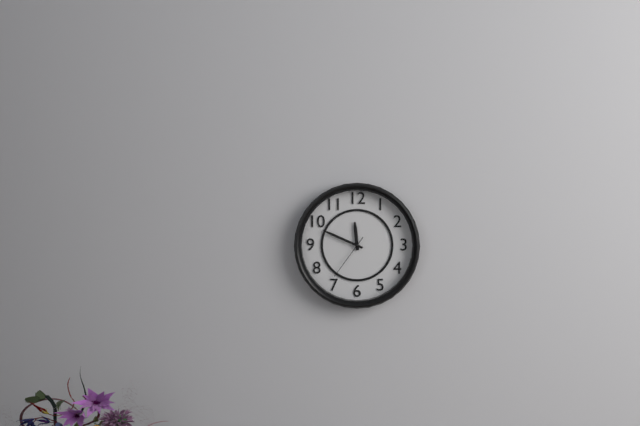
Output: 11h49
